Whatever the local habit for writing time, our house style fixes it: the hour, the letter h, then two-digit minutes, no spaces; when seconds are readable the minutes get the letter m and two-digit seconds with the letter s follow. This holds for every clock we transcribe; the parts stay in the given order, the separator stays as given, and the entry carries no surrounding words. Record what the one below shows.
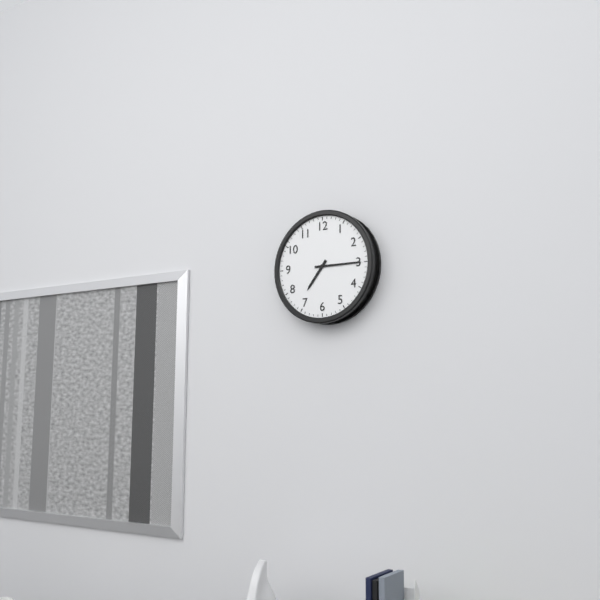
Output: 7h15
